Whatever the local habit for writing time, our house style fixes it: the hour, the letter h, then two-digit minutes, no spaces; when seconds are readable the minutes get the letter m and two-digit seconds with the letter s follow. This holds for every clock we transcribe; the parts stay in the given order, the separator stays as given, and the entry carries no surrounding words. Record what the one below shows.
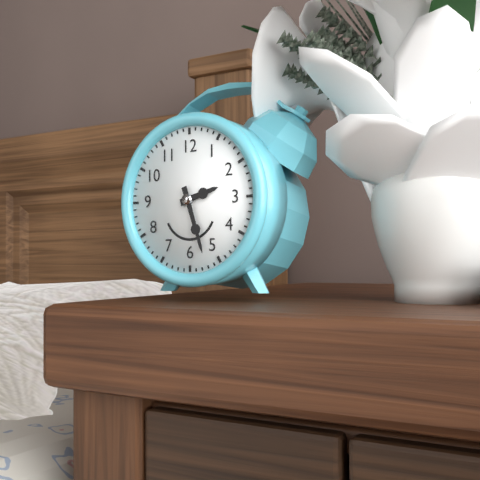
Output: 2h27
